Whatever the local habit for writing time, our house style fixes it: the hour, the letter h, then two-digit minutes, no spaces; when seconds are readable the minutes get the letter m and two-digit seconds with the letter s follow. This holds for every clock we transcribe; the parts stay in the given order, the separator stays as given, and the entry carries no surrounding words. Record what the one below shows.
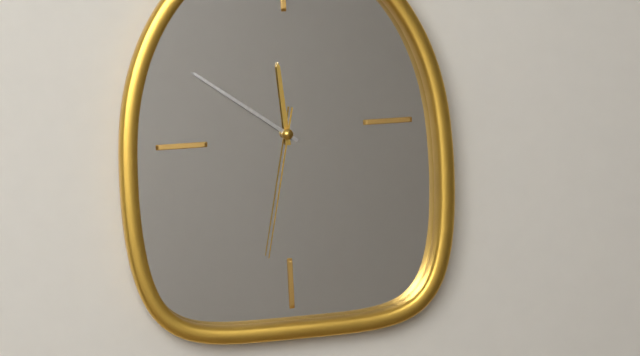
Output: 11h51m32s
